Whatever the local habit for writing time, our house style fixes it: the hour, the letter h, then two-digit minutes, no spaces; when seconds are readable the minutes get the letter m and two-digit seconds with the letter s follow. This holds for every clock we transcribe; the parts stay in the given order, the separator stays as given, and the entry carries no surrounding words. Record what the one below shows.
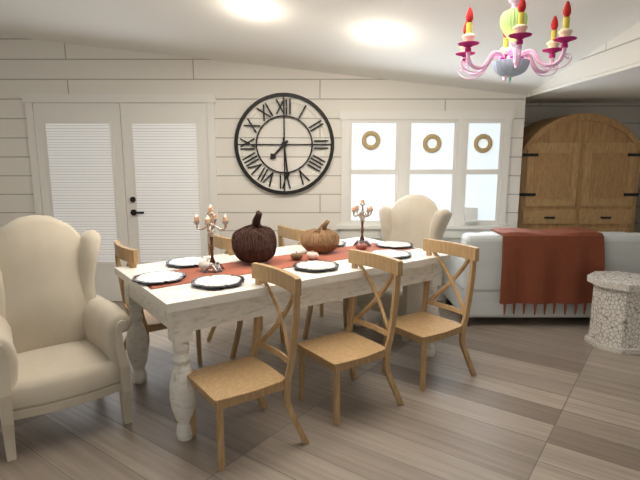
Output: 7h29
